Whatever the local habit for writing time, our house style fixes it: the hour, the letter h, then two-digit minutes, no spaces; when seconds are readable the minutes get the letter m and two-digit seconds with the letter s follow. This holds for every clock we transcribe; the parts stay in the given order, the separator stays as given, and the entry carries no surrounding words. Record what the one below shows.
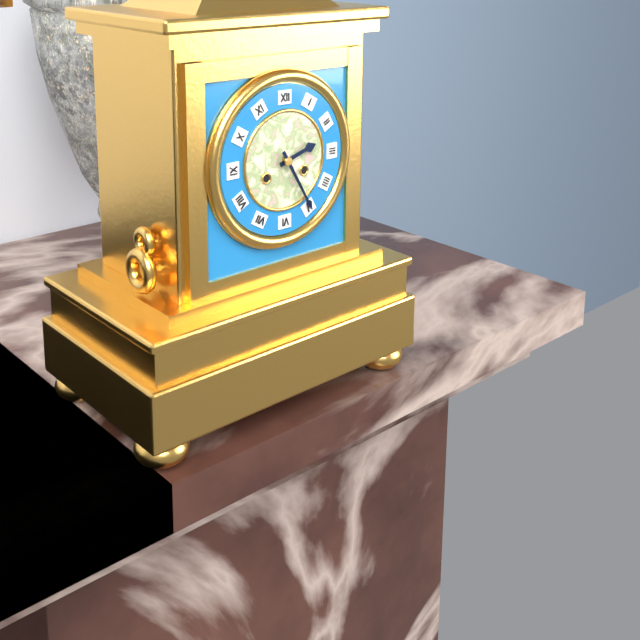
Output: 2h25
